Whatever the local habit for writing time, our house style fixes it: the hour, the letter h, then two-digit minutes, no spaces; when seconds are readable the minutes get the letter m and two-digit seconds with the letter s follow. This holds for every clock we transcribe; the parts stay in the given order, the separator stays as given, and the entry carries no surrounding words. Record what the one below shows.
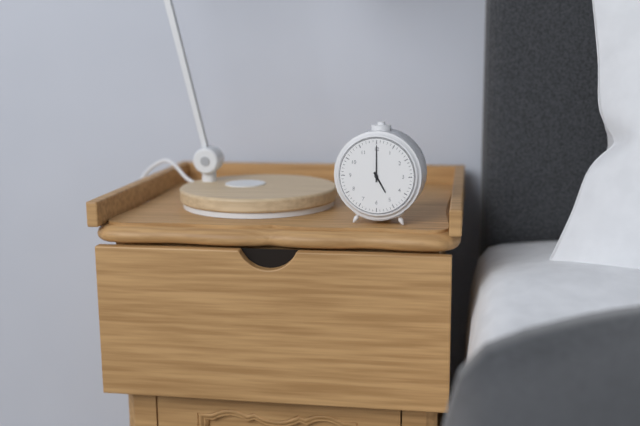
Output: 5h00
